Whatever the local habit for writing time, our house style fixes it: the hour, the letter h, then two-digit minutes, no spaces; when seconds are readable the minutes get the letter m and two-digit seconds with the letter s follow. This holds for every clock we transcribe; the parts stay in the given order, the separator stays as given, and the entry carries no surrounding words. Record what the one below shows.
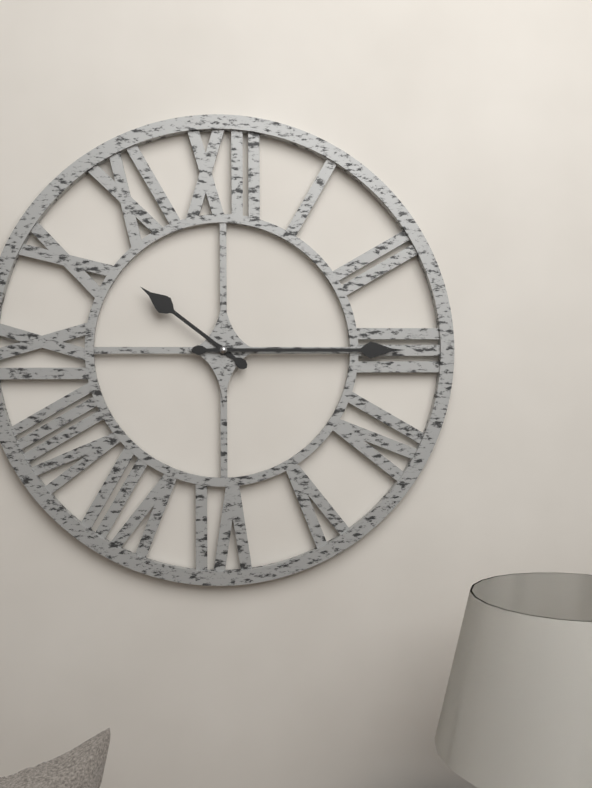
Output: 10h15
